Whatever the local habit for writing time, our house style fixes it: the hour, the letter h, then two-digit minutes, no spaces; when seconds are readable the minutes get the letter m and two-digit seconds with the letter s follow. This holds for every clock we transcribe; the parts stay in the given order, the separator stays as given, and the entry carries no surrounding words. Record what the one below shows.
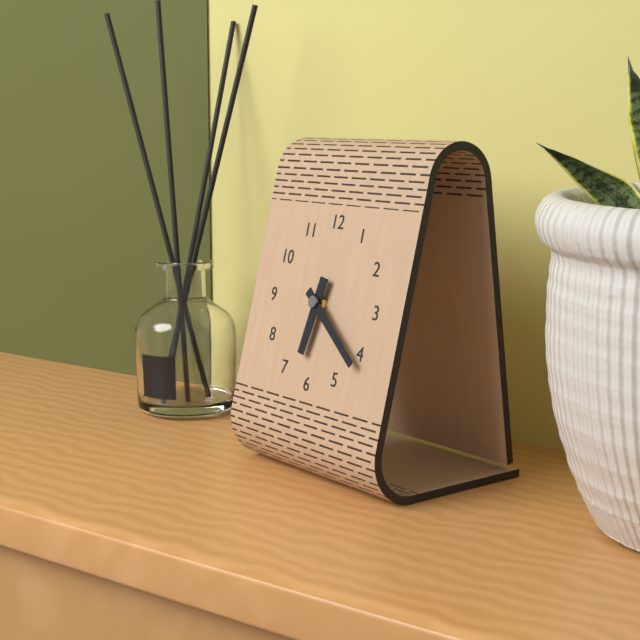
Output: 6h21
